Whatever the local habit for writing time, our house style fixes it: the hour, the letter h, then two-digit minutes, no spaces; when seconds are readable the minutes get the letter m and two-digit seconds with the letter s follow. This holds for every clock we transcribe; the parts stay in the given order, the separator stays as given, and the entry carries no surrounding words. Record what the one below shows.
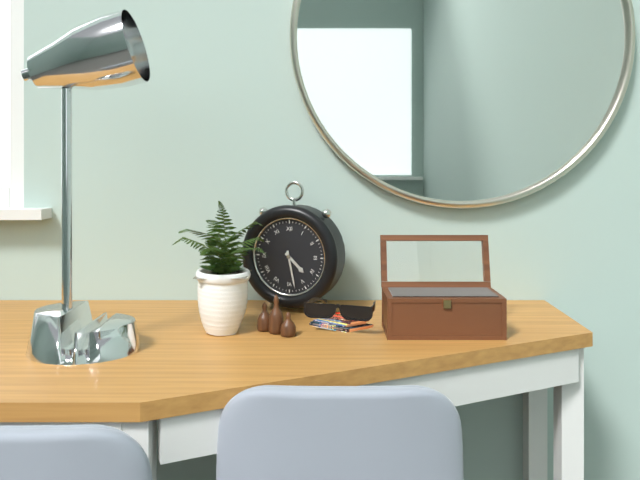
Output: 4h28
